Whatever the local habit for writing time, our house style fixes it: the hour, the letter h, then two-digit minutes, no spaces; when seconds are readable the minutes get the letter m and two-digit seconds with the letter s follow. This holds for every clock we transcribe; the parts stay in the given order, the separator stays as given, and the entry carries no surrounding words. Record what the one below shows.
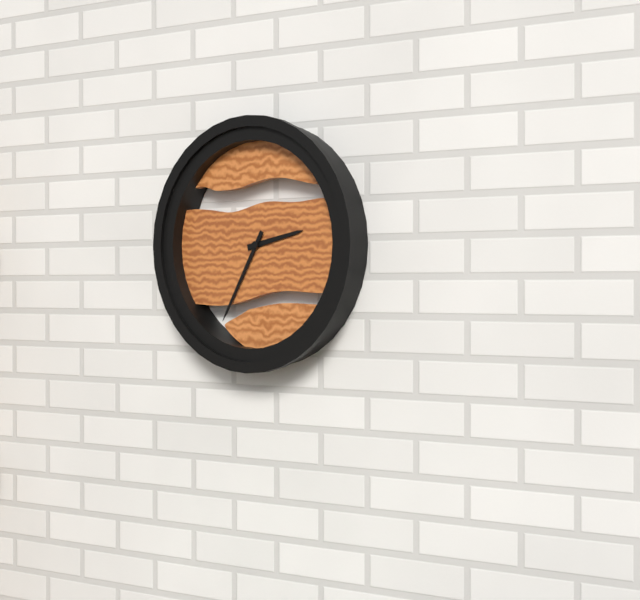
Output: 2h35
